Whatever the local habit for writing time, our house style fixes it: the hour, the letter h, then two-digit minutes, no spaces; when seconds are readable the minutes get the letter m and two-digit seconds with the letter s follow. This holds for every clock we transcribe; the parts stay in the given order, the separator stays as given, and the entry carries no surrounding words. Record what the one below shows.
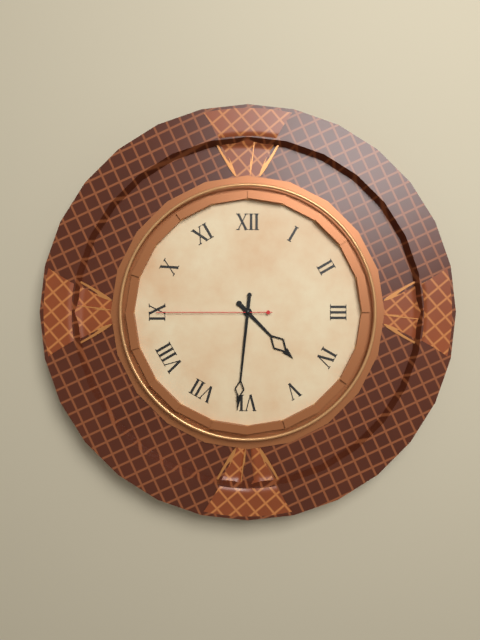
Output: 4h31m45s
